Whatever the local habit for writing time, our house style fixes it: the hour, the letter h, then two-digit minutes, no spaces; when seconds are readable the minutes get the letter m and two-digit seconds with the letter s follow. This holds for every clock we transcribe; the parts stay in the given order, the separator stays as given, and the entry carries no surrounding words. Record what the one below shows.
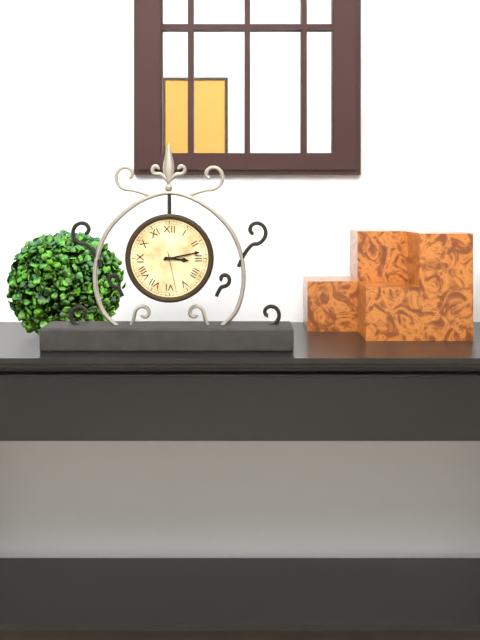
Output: 3h13
